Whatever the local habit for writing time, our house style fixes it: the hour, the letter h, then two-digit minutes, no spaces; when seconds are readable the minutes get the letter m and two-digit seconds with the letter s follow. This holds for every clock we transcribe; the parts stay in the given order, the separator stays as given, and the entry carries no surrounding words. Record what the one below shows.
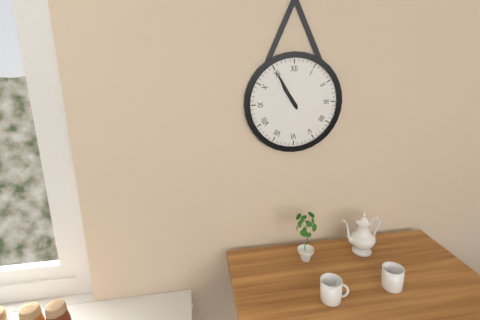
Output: 10h55
